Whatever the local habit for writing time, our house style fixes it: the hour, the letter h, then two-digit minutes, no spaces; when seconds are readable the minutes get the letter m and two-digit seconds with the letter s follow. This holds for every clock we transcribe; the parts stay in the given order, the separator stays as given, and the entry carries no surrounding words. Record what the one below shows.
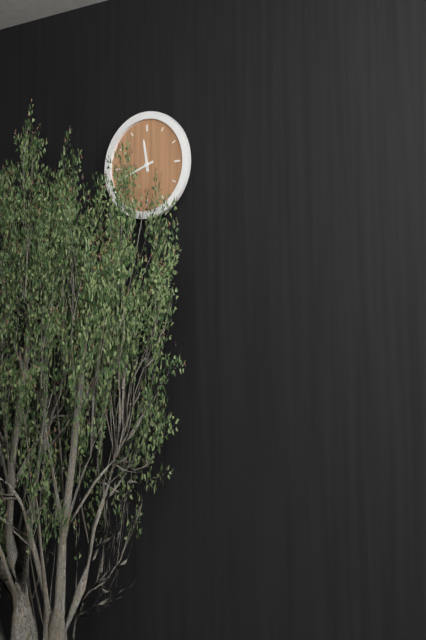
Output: 11h42
